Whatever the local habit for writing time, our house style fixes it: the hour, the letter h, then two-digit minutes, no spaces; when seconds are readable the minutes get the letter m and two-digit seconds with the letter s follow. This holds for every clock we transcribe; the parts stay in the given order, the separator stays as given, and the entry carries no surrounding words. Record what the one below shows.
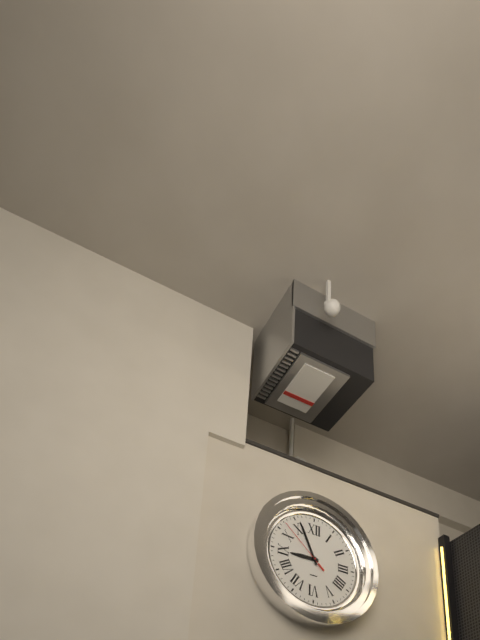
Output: 8h56m52s
